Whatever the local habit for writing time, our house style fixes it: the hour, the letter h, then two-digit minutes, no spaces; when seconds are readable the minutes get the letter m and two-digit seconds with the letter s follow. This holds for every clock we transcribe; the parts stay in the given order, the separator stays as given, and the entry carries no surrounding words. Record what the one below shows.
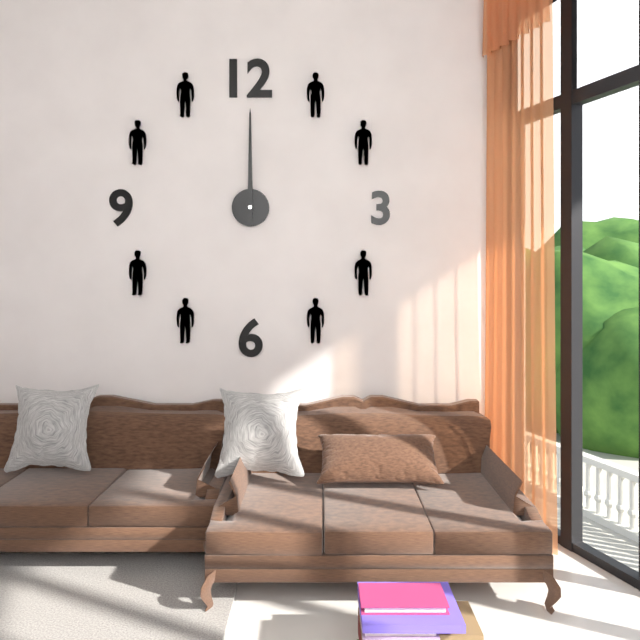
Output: 12h00
